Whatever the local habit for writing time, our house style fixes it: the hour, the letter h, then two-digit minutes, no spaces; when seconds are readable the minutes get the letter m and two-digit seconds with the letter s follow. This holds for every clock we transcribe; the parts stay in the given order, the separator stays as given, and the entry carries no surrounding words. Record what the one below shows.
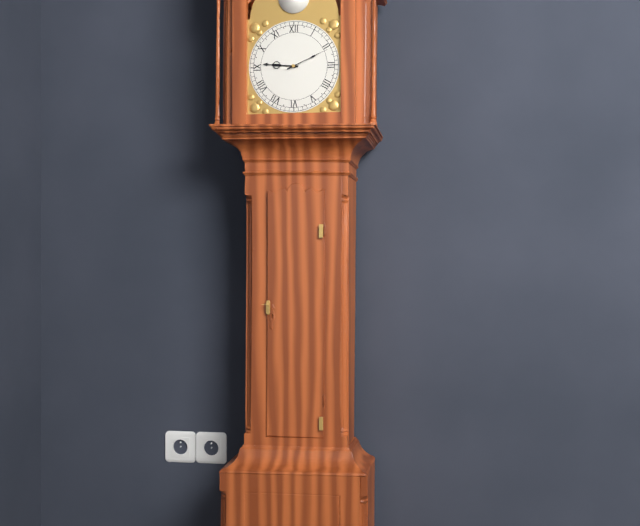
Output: 9h11
